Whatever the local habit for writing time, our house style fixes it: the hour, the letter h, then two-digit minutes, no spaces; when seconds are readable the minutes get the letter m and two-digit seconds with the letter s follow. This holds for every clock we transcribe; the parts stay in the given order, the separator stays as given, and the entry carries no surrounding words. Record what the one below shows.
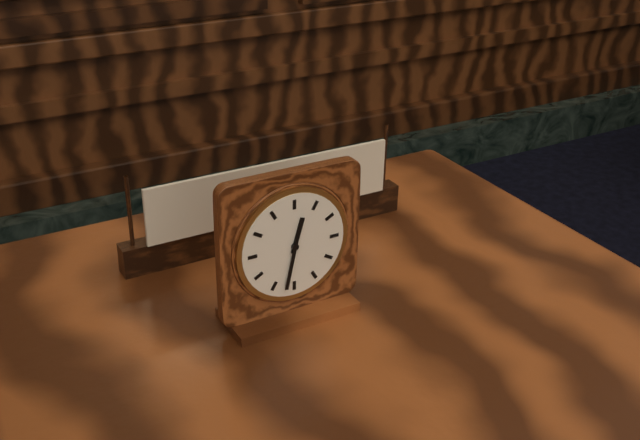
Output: 12h32
